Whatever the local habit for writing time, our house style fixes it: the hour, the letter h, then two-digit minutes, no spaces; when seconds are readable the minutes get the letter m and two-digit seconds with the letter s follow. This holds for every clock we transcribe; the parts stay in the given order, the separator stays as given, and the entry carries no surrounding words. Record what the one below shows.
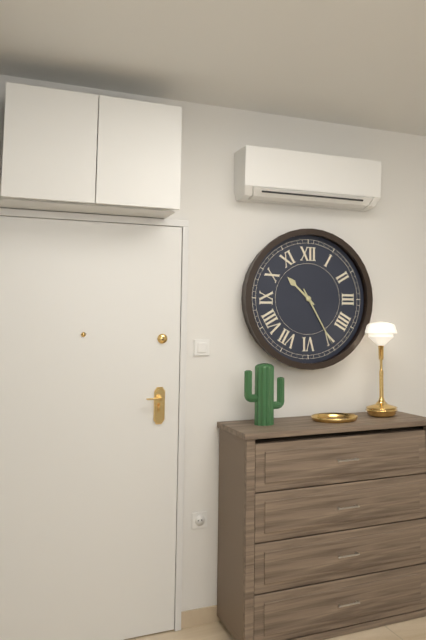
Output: 10h25
